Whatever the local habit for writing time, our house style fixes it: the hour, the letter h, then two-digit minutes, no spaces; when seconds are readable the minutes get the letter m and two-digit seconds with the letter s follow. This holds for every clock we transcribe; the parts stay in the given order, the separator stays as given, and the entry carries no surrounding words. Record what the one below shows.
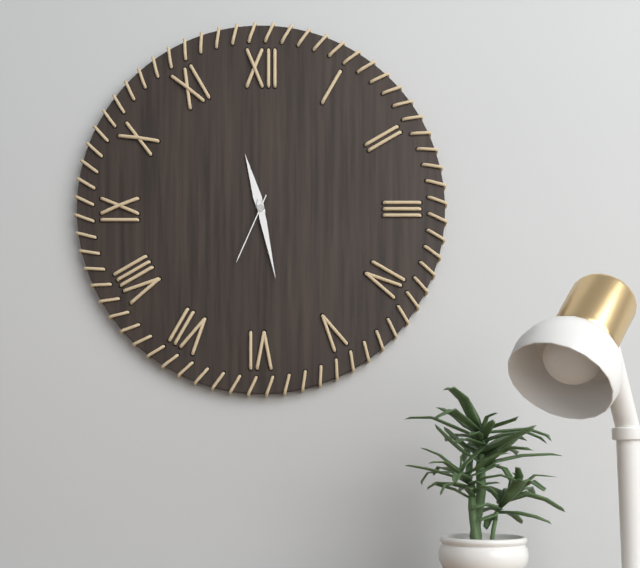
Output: 11h28m34s
